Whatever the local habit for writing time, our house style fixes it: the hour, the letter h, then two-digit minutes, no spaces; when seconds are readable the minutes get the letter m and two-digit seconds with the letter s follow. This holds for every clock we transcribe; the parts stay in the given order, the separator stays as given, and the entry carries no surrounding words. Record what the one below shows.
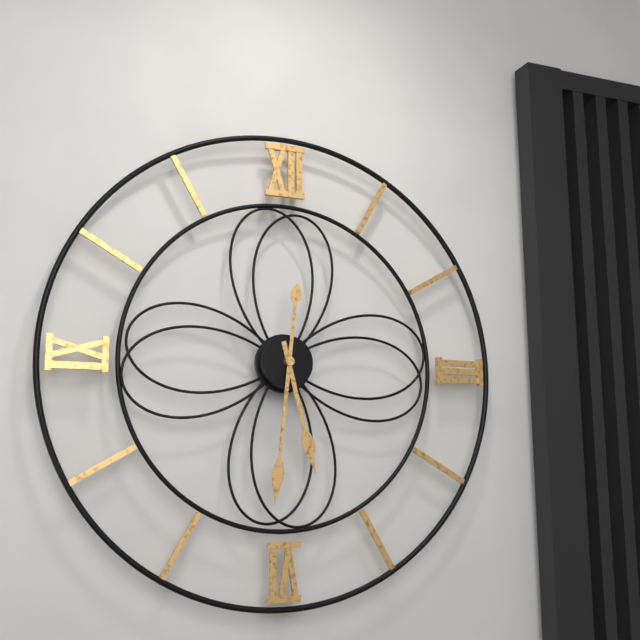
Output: 5h31
